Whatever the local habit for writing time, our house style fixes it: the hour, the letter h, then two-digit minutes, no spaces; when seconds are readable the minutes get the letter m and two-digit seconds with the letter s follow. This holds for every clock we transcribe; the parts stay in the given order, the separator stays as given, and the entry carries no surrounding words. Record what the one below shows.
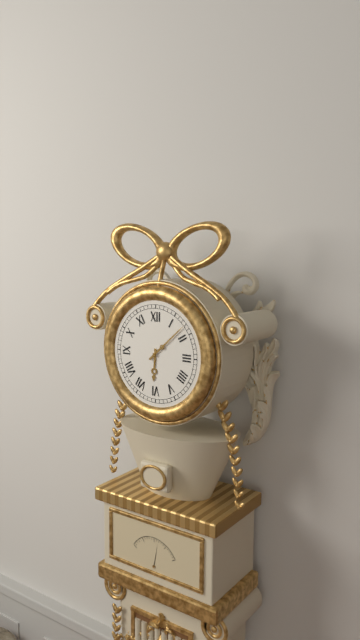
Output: 6h08
